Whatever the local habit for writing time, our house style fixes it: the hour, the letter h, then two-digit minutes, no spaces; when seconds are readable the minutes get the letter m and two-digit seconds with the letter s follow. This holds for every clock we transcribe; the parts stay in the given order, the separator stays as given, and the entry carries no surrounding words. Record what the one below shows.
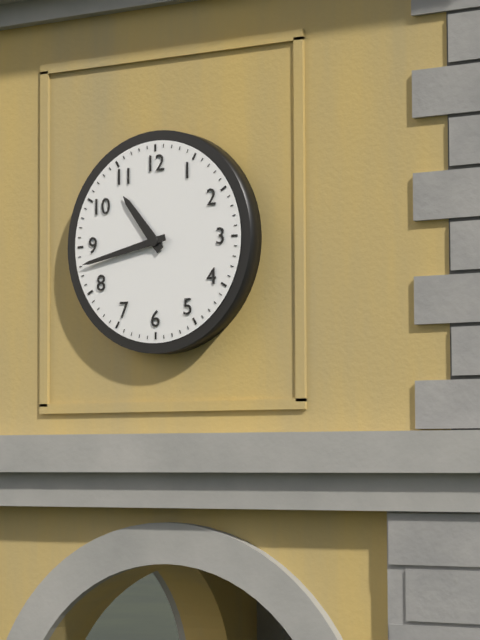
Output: 10h43
